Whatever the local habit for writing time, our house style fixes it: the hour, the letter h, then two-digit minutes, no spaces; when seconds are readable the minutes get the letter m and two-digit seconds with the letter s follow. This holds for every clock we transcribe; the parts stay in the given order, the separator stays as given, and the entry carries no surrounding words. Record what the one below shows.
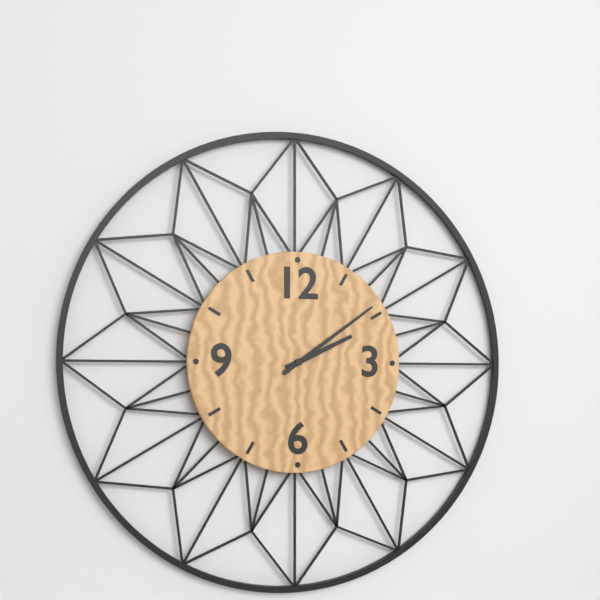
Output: 2h09
